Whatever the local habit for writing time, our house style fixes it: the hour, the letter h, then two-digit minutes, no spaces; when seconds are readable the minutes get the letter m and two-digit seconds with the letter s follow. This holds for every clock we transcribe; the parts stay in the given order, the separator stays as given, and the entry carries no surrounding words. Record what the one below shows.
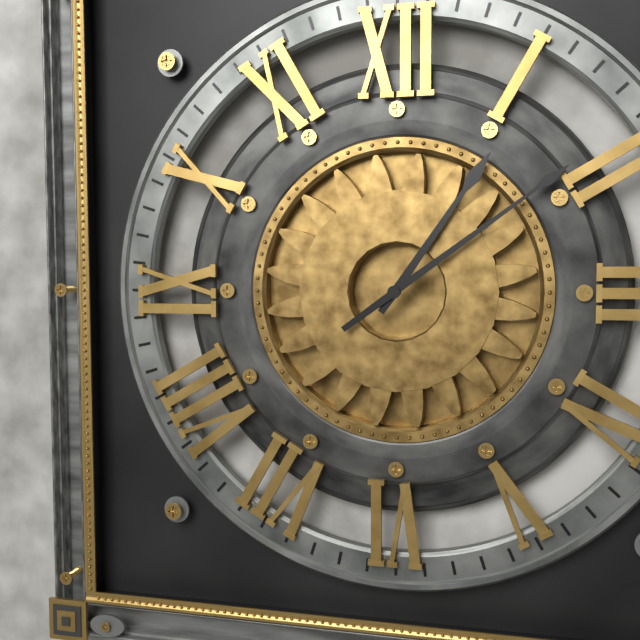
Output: 1h09
